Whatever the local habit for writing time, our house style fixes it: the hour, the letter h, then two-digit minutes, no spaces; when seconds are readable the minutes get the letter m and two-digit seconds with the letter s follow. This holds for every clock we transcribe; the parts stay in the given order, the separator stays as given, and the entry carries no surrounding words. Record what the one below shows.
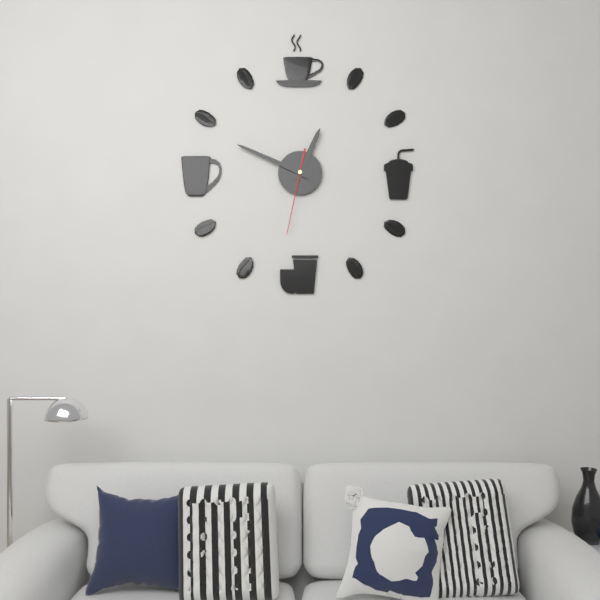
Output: 12h49m32s
